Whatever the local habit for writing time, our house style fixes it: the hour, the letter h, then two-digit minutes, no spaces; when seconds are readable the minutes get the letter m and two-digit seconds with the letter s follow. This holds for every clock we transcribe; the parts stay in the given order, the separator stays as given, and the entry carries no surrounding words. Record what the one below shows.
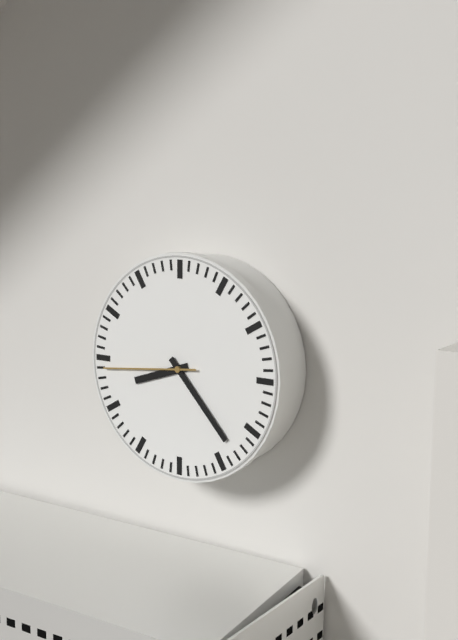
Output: 8h23m44s
